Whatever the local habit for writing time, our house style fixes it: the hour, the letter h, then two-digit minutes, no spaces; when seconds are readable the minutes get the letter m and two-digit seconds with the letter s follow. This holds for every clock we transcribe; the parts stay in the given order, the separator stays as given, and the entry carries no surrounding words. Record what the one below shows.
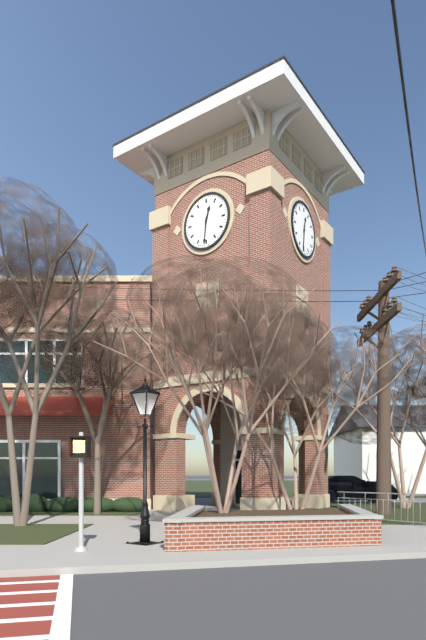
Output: 12h31
